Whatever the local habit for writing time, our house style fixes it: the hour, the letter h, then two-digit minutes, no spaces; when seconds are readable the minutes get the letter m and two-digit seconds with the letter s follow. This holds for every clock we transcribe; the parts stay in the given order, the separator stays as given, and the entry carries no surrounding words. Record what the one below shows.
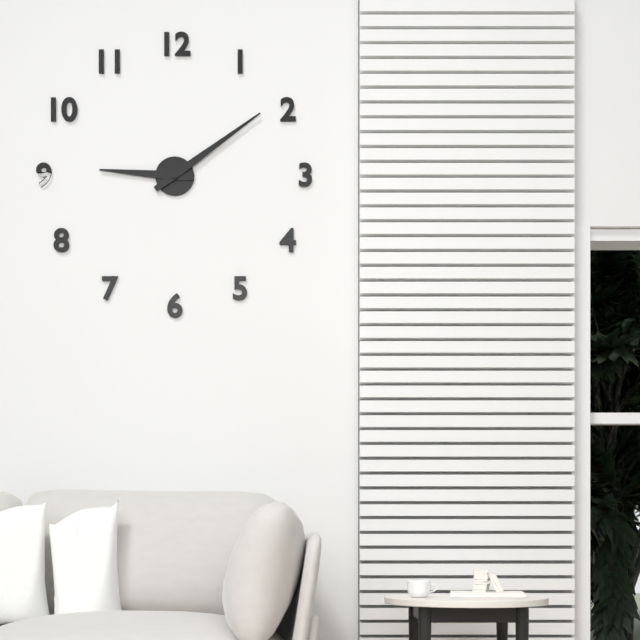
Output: 9h09
